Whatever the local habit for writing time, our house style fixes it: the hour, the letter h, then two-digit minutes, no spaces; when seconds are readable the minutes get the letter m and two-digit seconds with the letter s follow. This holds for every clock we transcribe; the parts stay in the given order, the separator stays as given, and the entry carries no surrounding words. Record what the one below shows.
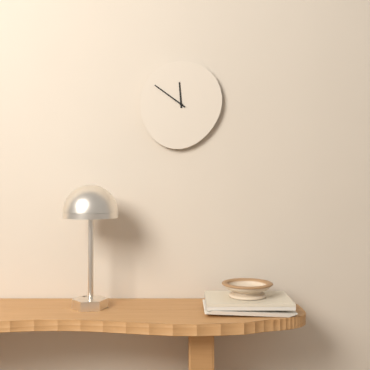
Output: 11h51
